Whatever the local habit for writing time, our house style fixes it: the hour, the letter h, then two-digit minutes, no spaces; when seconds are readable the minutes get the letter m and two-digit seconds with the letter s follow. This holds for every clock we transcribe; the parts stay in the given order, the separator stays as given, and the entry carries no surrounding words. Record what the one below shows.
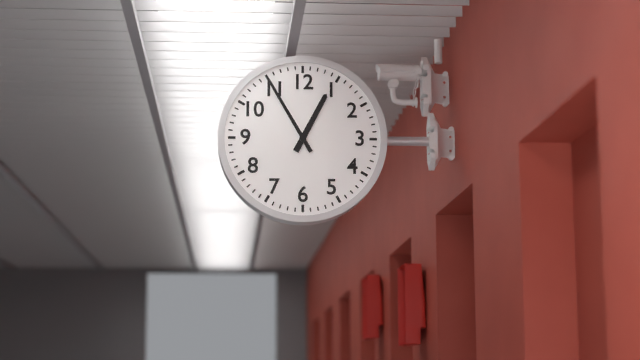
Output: 12h55
